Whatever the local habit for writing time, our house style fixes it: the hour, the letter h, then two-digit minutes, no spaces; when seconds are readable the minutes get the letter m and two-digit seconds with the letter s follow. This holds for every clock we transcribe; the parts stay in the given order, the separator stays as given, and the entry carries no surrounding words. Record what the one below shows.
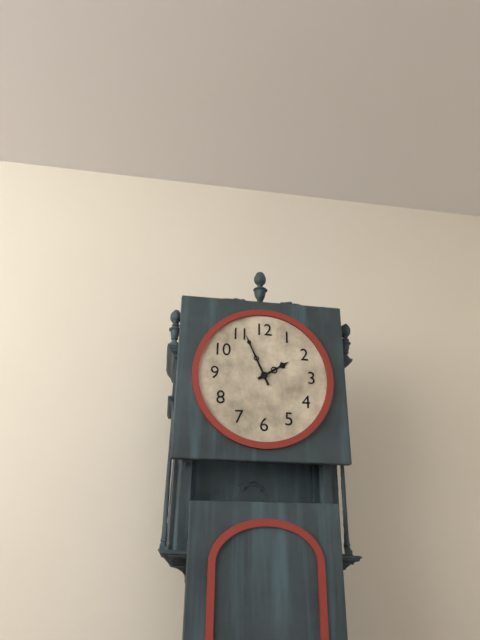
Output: 1h56
